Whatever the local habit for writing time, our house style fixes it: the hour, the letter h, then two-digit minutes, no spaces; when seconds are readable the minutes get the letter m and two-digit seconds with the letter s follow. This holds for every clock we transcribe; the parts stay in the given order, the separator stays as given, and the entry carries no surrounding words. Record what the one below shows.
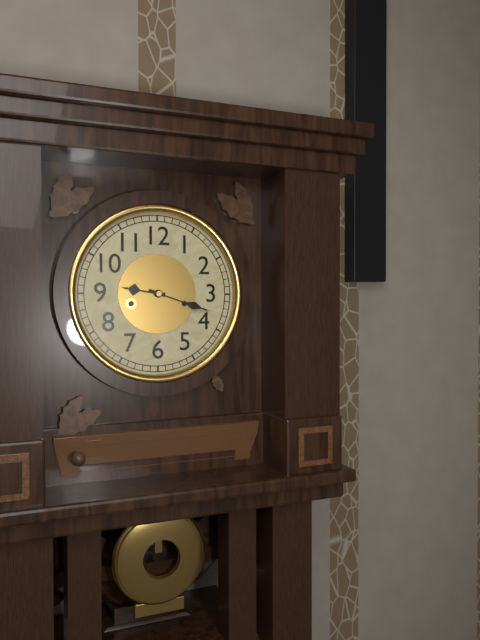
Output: 9h18
